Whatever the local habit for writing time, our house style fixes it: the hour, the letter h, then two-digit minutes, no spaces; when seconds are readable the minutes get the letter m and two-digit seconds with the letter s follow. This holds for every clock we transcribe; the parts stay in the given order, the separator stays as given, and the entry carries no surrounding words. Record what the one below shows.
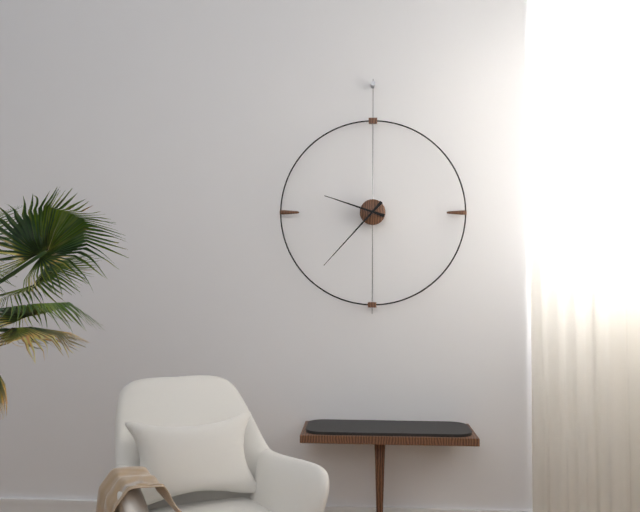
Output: 9h37
